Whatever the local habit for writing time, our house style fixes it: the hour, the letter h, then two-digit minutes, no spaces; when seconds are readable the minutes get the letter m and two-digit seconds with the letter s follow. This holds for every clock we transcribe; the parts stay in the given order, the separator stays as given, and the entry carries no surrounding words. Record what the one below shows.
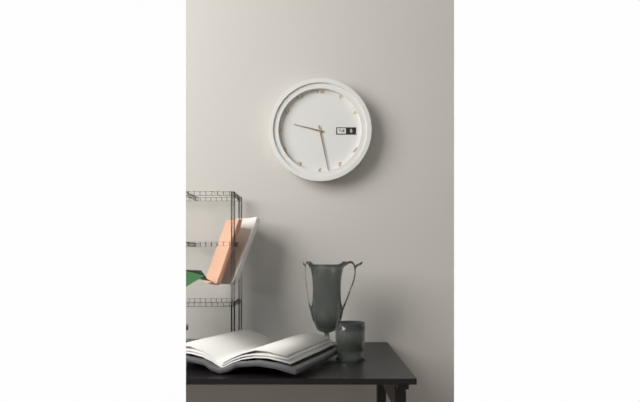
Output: 9h28
